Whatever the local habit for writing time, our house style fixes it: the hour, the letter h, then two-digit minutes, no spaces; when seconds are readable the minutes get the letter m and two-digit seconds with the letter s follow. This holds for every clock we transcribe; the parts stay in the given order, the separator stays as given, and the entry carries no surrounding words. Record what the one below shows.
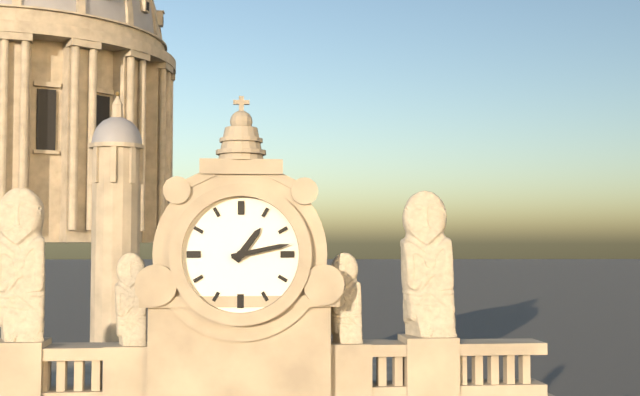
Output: 1h13
